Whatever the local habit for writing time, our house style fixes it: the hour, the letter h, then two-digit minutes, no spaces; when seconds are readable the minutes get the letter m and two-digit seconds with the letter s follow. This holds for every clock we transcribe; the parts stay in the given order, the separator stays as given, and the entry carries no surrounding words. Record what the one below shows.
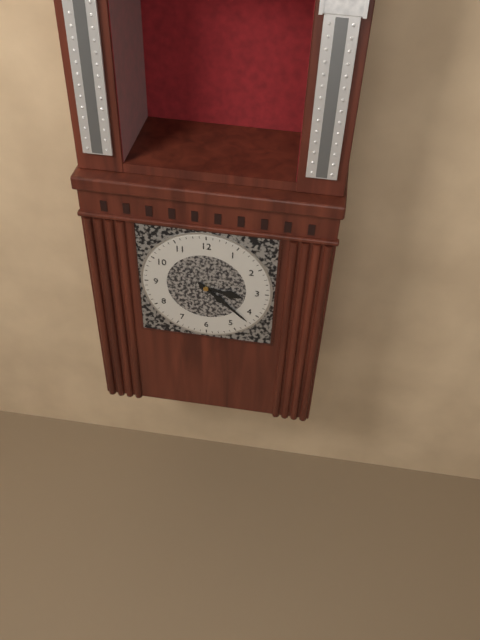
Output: 3h22
